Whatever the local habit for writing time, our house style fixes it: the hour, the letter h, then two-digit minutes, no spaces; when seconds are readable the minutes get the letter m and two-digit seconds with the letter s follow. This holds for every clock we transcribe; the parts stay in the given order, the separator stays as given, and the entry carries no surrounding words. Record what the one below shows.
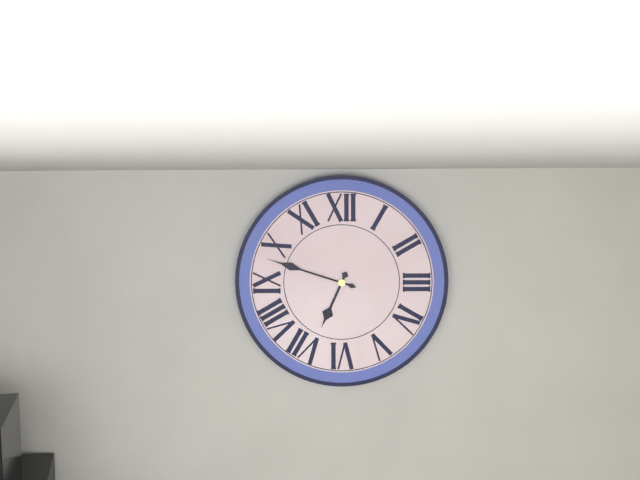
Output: 6h48
